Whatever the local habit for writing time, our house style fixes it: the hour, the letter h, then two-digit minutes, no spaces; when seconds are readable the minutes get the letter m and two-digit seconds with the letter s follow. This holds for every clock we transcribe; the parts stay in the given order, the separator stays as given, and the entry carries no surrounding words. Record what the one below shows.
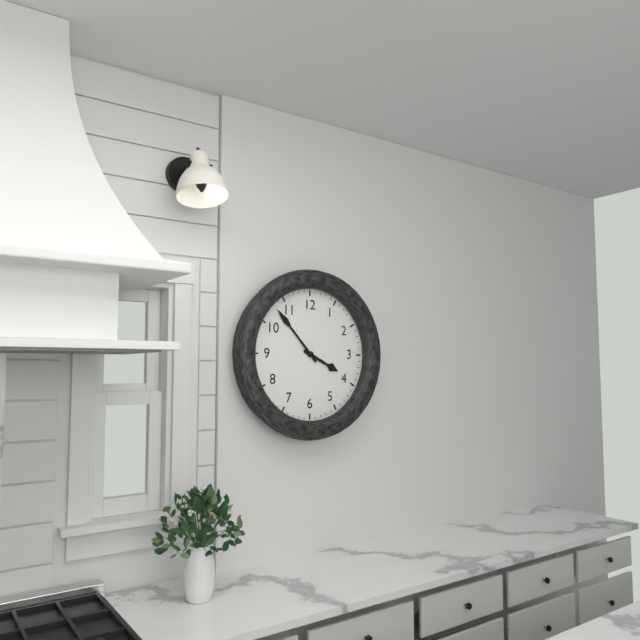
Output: 3h53
